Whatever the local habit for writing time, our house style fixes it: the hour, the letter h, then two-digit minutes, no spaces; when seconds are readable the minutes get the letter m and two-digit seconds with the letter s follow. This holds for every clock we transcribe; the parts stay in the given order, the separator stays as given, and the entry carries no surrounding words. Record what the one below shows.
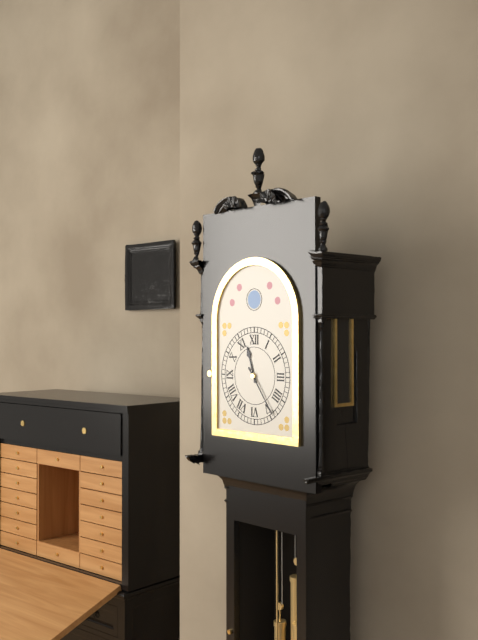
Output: 11h24
